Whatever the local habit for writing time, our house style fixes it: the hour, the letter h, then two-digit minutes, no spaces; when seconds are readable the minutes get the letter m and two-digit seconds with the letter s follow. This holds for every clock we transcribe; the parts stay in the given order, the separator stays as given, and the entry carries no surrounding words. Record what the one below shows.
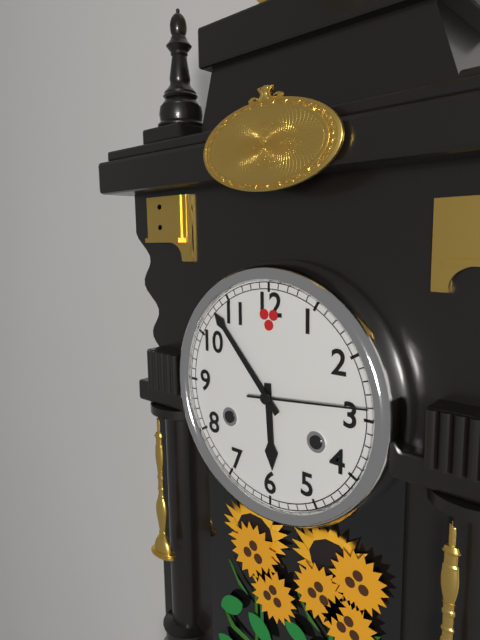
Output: 5h53m14s
